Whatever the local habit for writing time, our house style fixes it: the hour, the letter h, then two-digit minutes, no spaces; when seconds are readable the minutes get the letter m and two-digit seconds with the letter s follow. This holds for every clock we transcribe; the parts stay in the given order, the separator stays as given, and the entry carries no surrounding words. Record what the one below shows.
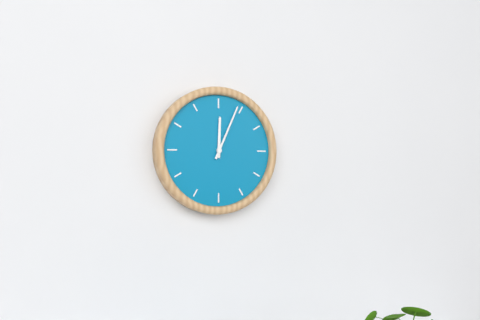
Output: 12h04
